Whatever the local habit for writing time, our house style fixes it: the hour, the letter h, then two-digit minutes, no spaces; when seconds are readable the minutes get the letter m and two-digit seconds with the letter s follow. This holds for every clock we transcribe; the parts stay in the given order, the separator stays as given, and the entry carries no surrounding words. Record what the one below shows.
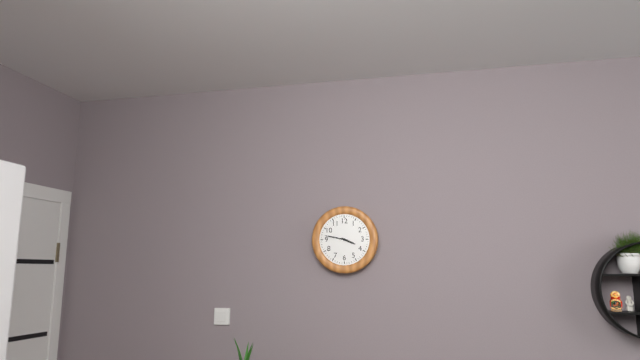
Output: 3h47
